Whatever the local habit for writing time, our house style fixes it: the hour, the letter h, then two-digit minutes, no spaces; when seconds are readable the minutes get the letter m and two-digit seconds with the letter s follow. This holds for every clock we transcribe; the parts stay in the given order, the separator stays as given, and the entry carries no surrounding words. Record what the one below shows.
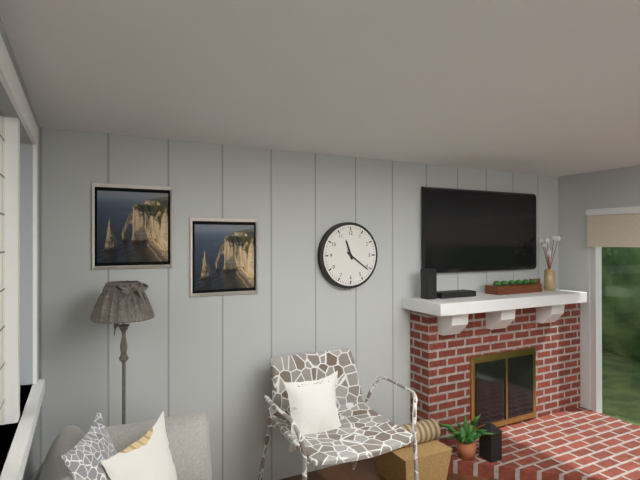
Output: 11h21
